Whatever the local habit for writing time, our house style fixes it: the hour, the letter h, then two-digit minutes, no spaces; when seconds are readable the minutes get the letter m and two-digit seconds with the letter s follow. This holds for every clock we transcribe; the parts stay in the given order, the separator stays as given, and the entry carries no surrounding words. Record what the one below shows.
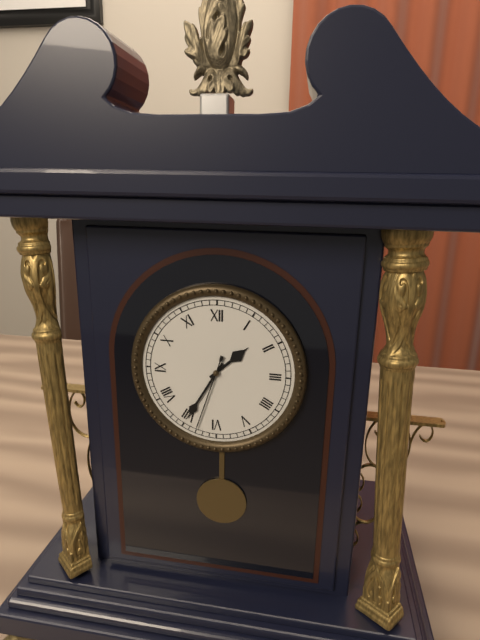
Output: 1h35m33s
